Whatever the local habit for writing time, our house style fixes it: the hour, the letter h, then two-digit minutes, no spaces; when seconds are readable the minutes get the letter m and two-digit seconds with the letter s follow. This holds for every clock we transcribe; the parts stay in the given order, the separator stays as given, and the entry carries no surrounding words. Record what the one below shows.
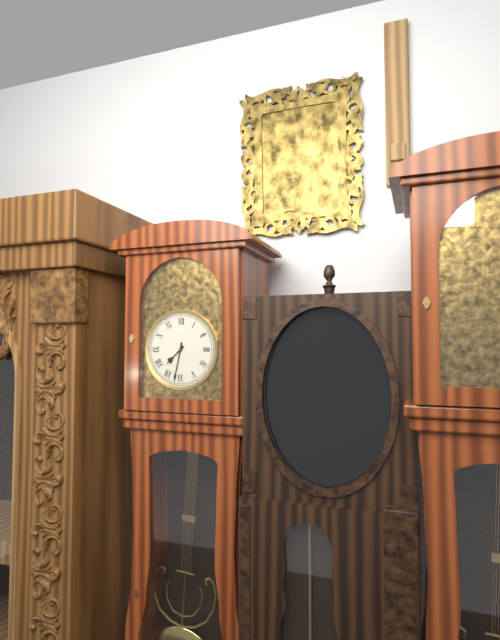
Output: 7h32
